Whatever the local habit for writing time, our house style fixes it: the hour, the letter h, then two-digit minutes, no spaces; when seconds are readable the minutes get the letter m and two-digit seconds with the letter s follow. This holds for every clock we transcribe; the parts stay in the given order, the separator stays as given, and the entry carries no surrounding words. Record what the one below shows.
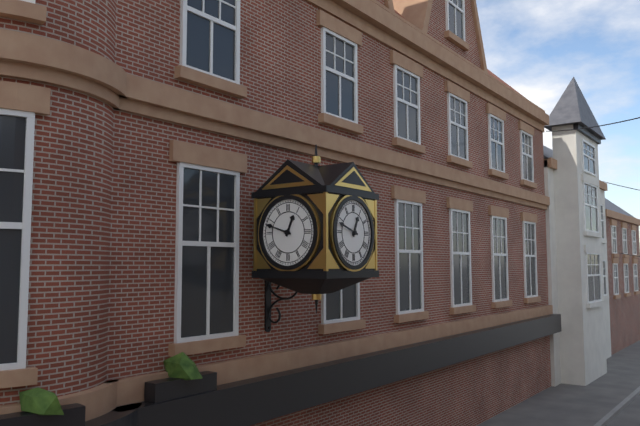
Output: 12h48
